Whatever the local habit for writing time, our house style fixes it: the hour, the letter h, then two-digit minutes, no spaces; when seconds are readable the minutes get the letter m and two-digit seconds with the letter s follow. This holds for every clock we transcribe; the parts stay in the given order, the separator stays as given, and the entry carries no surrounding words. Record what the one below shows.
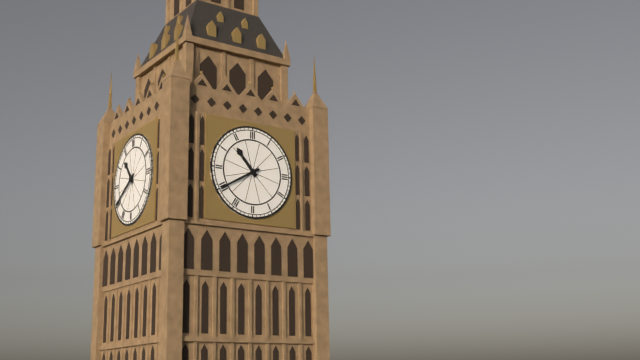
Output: 10h40
